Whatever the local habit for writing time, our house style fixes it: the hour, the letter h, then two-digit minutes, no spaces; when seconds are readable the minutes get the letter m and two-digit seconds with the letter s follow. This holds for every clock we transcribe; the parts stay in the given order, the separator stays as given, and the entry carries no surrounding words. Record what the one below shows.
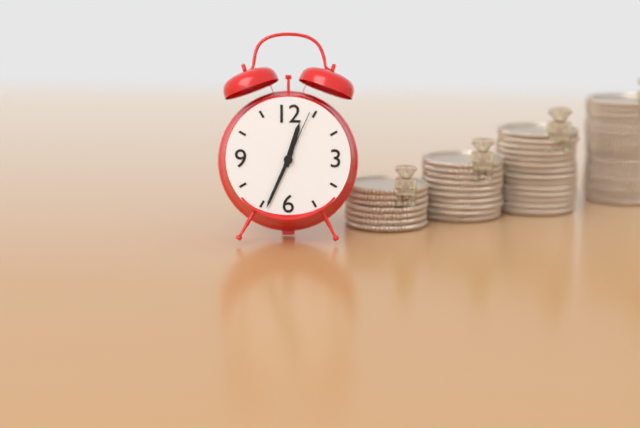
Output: 12h34m04s
